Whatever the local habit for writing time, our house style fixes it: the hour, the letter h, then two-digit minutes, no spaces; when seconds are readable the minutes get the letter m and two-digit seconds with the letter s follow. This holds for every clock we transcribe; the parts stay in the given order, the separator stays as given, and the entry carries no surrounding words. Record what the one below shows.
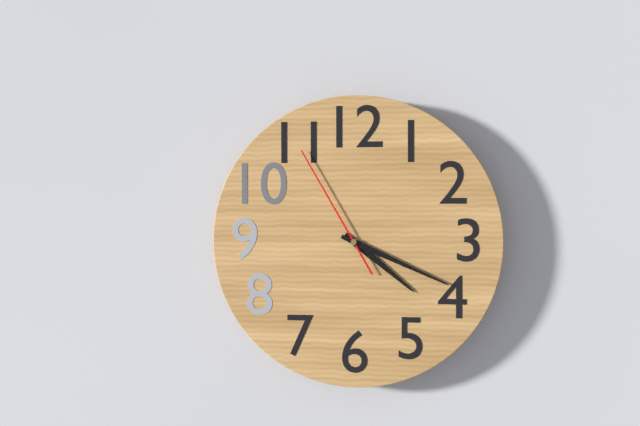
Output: 4h19m55s
